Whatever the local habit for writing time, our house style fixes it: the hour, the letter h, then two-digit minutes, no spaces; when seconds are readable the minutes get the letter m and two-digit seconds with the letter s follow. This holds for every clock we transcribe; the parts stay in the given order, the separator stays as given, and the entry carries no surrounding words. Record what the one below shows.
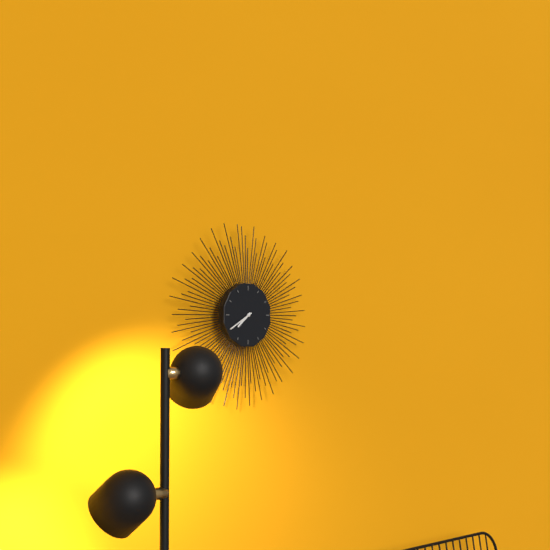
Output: 7h40
